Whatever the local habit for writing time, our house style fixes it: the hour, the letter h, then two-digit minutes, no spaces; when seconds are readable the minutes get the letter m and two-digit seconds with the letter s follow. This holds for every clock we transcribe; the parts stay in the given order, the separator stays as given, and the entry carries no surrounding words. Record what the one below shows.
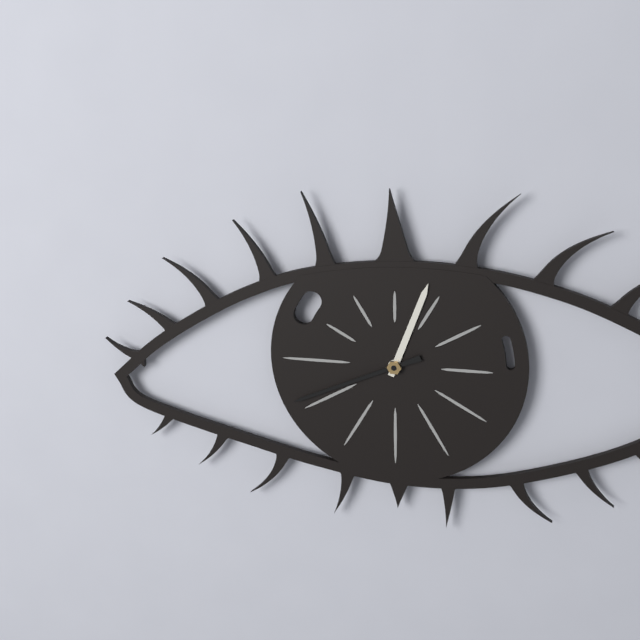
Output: 12h41
